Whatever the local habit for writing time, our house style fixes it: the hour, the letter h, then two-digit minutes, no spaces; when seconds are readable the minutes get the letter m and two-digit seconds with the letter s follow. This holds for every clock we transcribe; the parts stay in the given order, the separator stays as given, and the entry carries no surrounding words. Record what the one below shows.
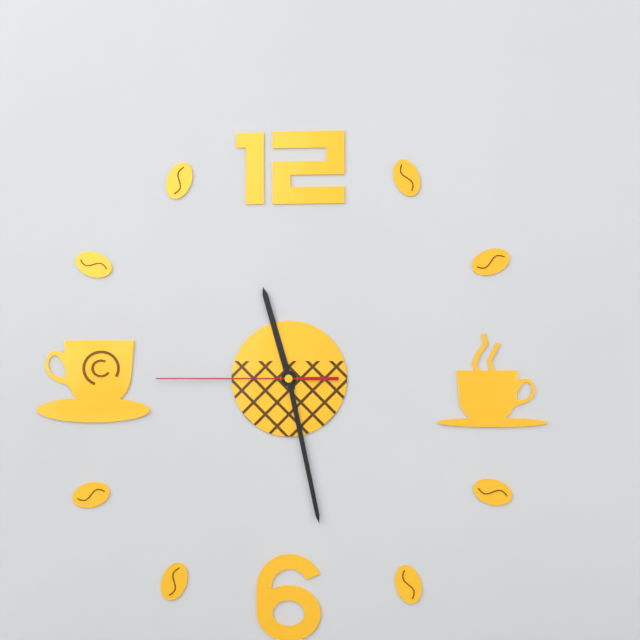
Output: 11h28m45s
